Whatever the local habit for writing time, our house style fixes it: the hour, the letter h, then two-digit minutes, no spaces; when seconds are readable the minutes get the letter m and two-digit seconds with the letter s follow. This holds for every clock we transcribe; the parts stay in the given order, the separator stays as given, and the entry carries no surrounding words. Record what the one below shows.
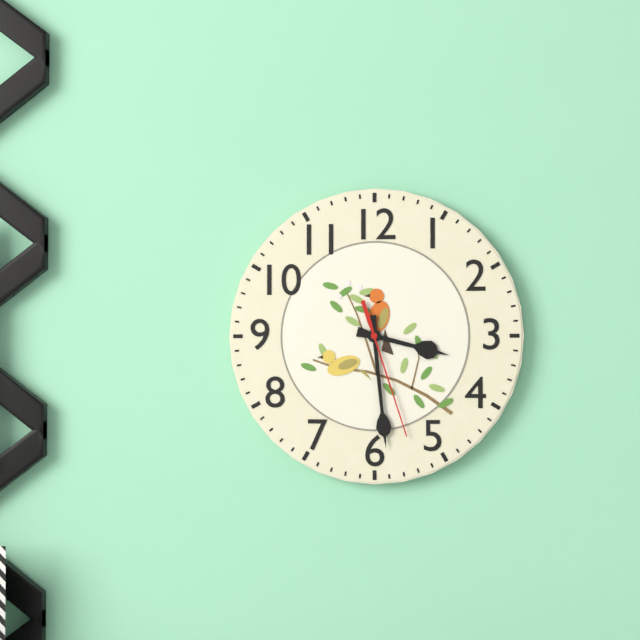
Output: 3h29m27s
